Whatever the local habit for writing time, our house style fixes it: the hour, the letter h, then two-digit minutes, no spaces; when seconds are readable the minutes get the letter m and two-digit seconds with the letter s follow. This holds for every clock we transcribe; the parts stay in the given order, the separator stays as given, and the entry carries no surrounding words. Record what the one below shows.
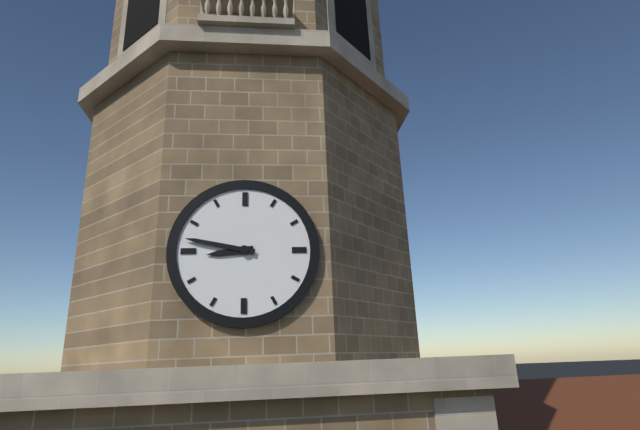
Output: 8h47
